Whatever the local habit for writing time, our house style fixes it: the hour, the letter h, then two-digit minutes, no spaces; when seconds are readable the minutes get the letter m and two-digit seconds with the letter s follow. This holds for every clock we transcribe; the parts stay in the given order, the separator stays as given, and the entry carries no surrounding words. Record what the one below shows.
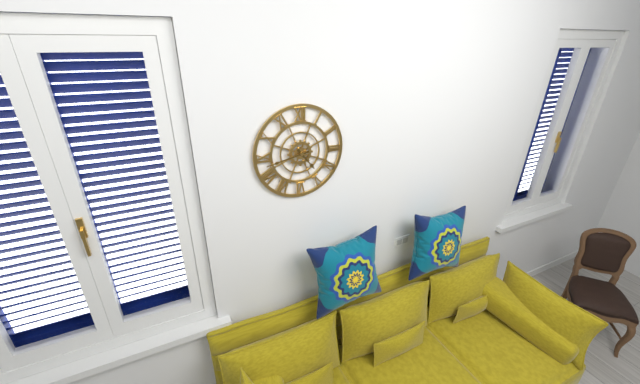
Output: 4h43
